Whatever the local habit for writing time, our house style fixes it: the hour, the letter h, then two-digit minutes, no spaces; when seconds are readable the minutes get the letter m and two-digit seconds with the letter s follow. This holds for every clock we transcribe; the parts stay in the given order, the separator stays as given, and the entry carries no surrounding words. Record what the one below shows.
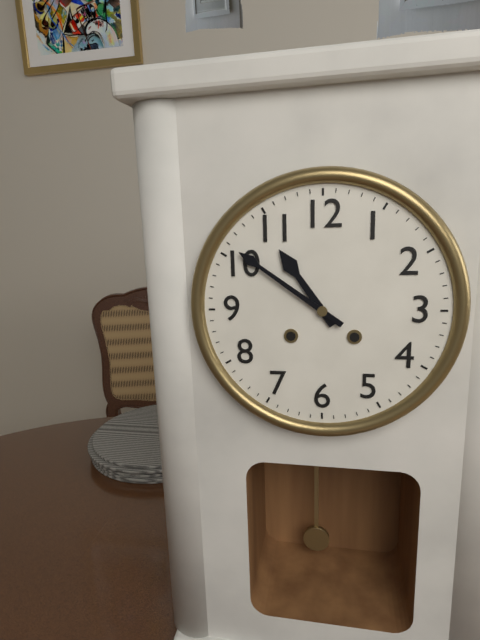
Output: 10h51
